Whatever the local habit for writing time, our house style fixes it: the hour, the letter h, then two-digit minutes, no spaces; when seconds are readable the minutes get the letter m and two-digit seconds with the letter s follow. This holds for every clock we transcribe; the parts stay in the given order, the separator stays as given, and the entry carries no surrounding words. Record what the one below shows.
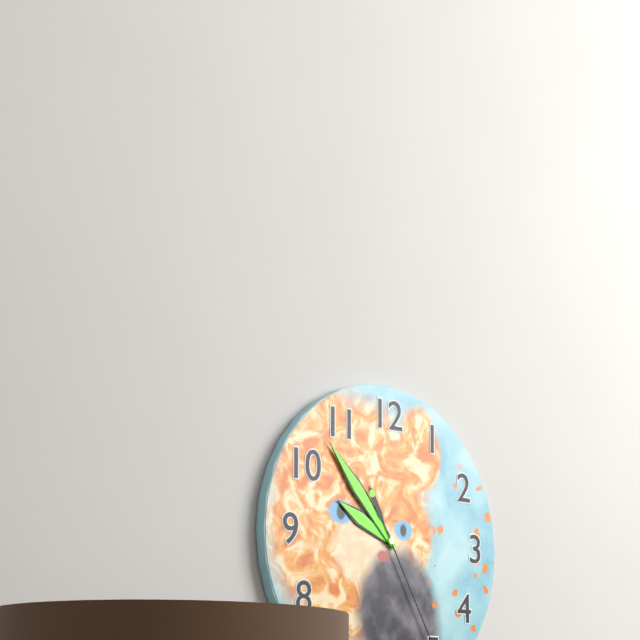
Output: 9h53
